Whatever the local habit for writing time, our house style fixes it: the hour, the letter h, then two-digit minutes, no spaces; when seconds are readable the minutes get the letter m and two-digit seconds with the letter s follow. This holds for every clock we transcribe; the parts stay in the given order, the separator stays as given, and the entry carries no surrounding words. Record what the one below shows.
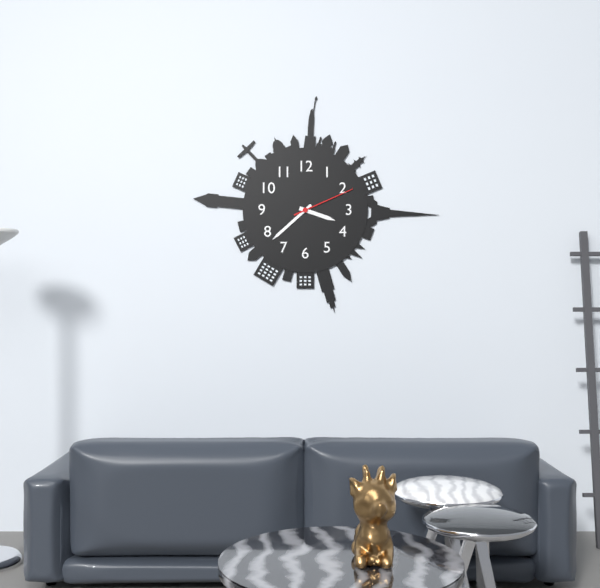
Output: 3h38m11s
